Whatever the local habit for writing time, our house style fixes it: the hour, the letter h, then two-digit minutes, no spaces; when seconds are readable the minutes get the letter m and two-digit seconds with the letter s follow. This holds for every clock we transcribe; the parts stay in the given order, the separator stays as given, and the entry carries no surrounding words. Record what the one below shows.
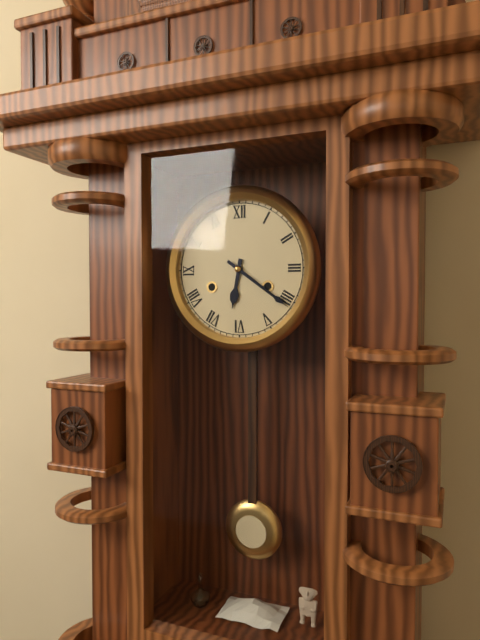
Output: 6h21
